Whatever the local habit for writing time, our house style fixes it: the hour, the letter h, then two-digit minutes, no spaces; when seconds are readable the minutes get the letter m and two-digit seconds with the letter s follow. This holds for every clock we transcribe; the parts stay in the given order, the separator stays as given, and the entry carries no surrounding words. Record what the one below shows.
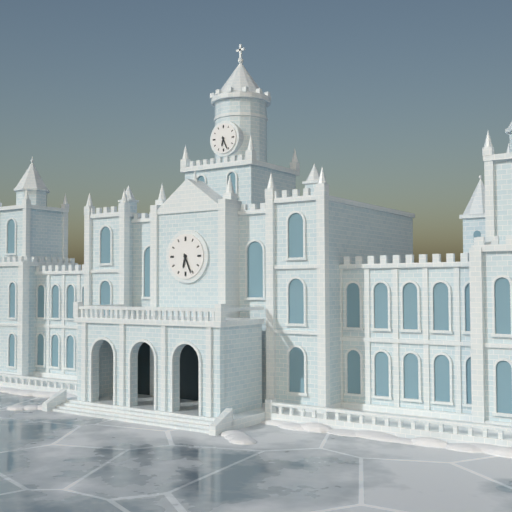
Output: 6h26
